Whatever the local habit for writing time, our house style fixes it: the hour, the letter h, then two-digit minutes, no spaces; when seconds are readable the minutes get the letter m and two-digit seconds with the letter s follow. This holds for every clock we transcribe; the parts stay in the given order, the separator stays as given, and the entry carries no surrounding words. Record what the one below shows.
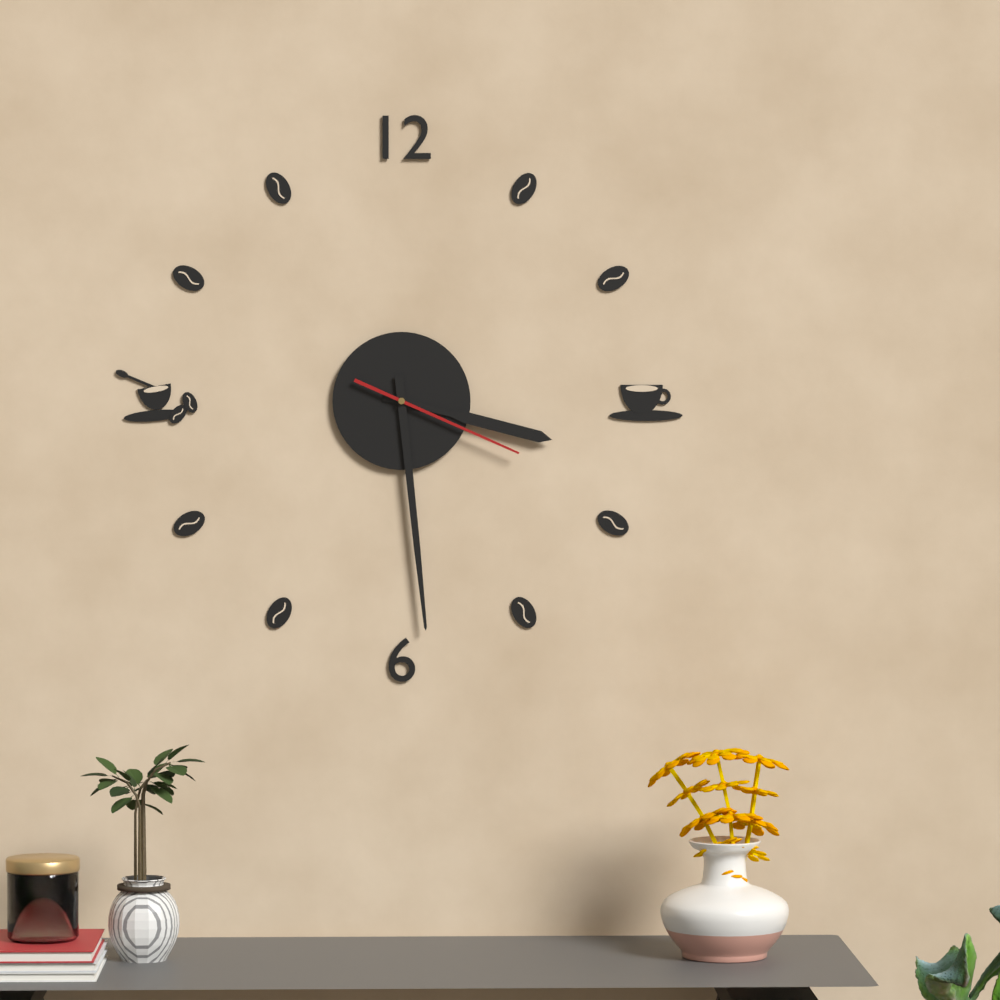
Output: 3h29m19s
